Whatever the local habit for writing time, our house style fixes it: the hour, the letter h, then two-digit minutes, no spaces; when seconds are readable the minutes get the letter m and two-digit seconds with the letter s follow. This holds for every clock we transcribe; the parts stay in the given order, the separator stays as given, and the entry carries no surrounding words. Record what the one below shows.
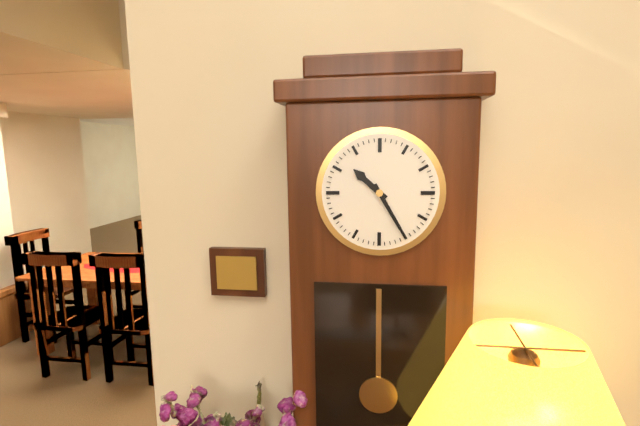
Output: 10h25
